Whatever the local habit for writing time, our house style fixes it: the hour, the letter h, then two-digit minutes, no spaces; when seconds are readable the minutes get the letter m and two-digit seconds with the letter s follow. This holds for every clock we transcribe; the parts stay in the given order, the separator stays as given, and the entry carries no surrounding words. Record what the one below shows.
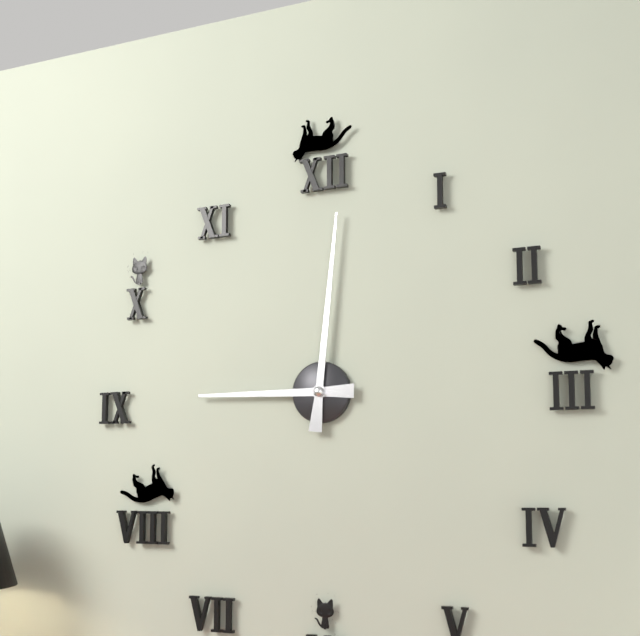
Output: 9h01
